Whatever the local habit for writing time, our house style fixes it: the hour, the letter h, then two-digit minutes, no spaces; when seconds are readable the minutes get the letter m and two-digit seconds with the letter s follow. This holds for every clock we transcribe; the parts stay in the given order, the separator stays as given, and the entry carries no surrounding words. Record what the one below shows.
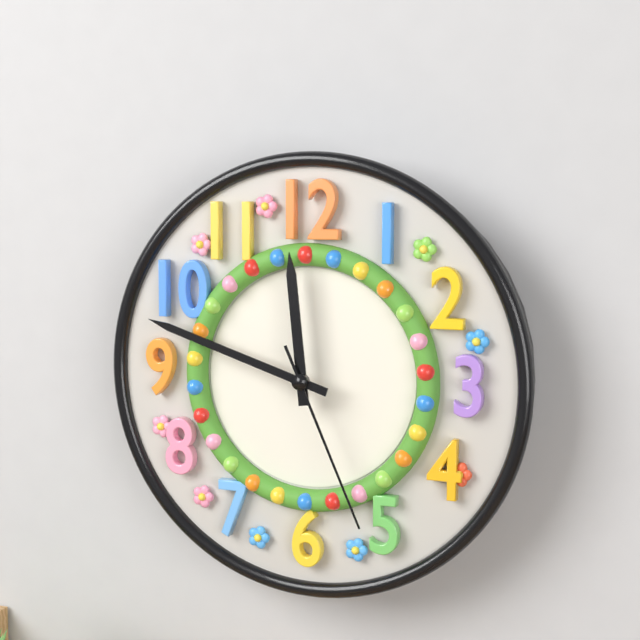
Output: 11h48m26s
